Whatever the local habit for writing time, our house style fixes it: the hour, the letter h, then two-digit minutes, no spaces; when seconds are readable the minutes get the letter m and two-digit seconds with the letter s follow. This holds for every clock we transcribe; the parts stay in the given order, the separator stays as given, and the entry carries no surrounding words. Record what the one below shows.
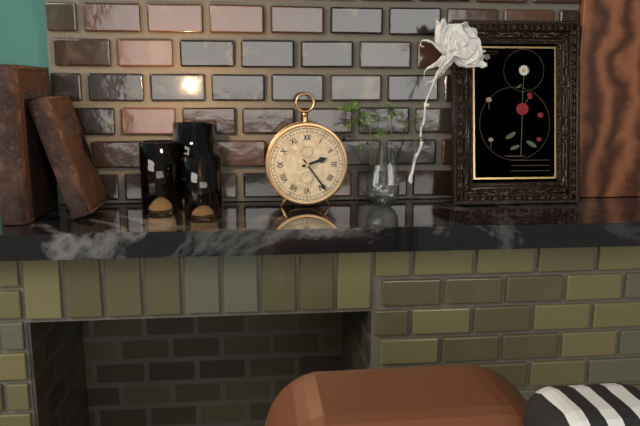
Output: 2h24
